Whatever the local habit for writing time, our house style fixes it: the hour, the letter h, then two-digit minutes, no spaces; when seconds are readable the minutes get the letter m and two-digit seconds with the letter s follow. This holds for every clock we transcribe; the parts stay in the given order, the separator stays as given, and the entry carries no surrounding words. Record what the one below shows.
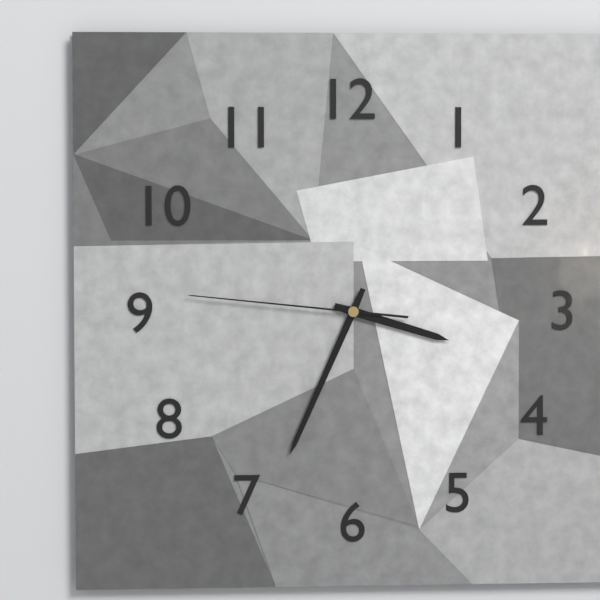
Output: 3h34m46s
